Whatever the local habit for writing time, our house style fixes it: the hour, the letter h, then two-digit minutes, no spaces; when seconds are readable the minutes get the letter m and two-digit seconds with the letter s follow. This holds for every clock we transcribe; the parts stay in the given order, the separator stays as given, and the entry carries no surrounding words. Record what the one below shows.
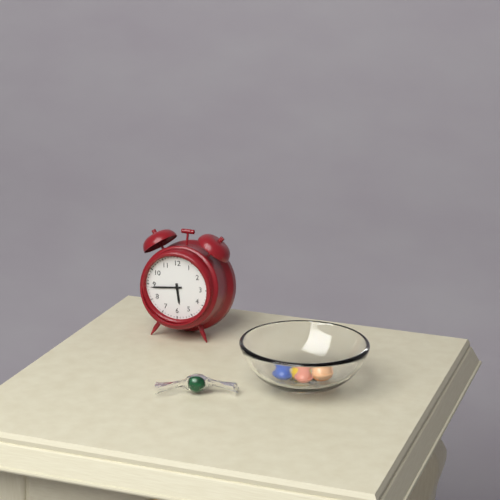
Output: 5h44
